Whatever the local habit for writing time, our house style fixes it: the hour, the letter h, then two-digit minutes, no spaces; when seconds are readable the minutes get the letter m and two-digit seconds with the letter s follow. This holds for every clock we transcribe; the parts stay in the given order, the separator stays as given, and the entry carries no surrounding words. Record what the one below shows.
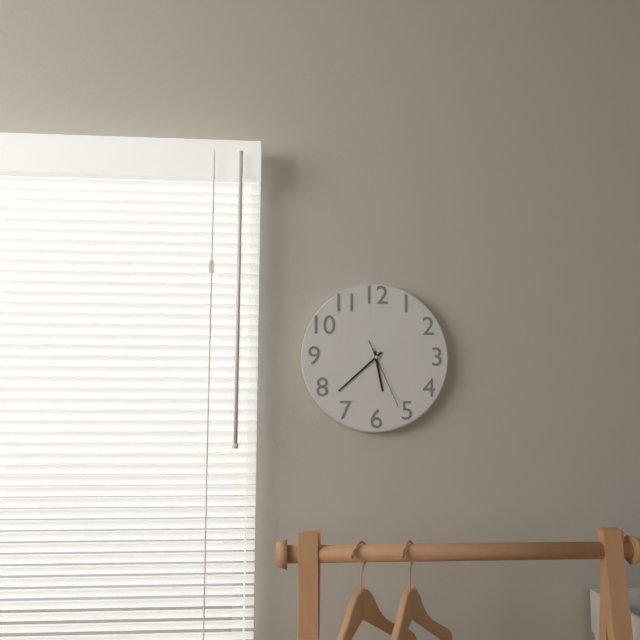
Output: 5h38m26s
